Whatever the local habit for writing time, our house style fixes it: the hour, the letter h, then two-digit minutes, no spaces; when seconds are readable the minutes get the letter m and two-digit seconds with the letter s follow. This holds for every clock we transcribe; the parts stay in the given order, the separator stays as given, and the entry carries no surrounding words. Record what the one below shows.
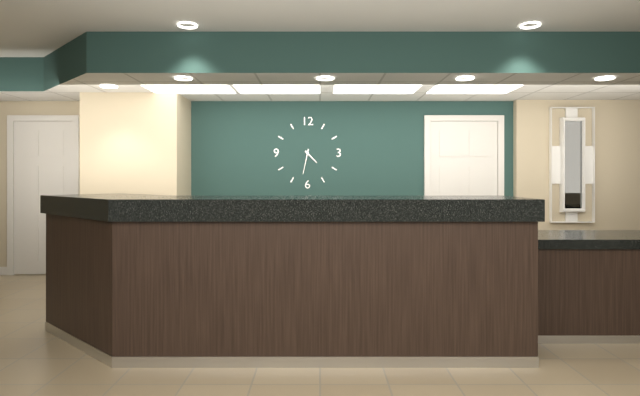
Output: 4h32
